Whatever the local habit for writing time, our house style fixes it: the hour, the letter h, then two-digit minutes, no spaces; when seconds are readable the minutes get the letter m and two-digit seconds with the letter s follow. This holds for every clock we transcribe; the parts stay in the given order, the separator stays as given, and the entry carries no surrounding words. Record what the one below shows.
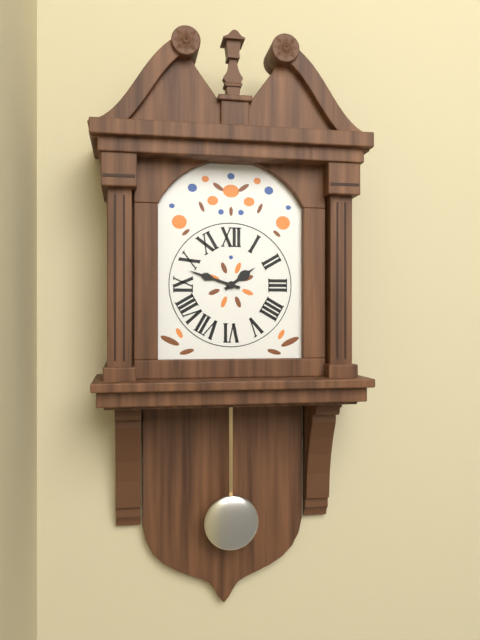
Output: 1h48
